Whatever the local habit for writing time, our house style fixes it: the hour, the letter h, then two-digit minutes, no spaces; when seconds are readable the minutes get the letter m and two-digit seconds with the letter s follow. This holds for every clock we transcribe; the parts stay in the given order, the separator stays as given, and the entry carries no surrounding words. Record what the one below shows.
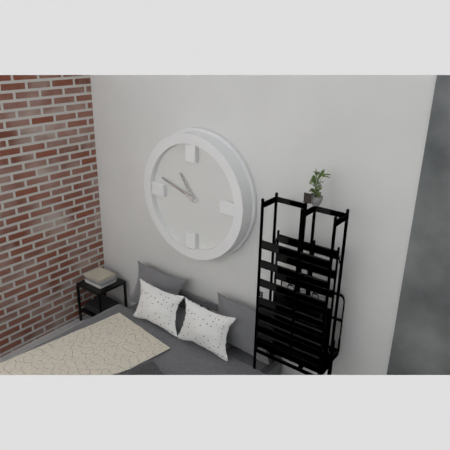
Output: 10h48
